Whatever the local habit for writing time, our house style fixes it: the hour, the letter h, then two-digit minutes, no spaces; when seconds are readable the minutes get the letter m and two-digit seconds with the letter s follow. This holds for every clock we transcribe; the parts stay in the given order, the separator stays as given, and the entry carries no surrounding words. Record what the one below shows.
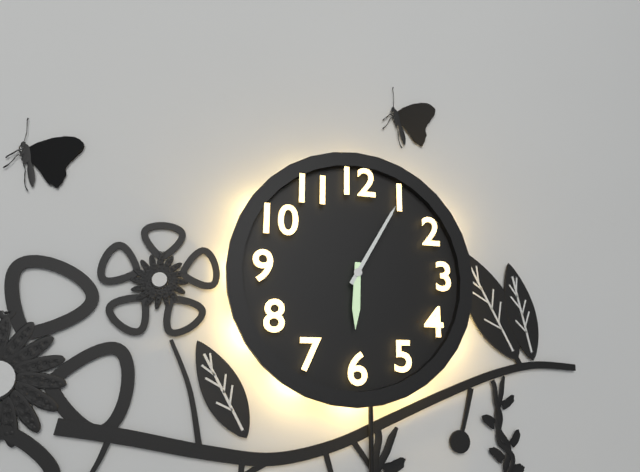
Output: 6h05
